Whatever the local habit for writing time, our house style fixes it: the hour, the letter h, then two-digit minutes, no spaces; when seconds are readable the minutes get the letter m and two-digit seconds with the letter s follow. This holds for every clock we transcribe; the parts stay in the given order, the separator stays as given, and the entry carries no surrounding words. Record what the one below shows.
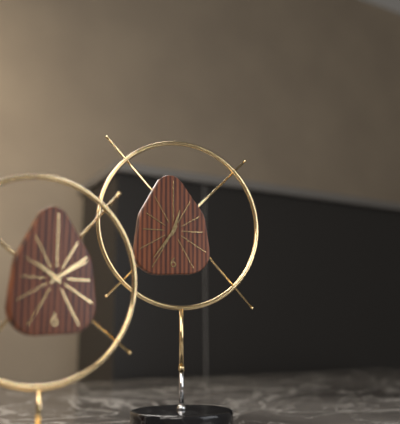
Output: 12h36
